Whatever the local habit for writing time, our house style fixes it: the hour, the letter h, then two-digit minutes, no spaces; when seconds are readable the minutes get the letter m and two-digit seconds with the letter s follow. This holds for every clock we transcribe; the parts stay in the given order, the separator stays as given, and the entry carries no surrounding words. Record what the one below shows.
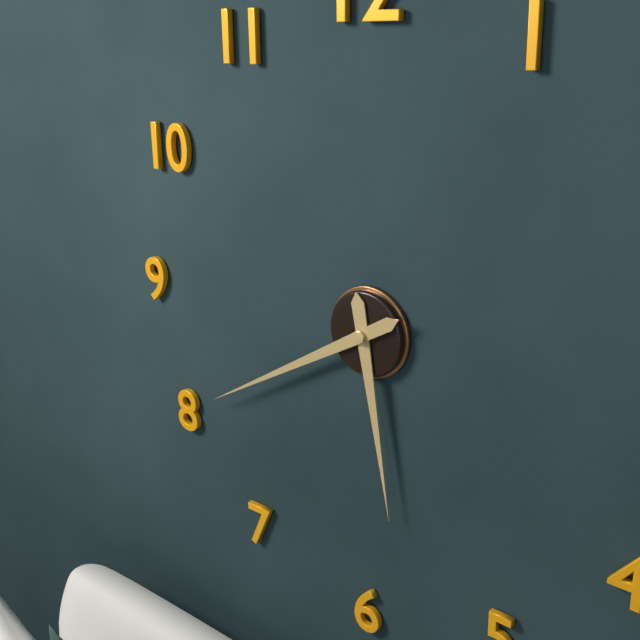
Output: 5h40
